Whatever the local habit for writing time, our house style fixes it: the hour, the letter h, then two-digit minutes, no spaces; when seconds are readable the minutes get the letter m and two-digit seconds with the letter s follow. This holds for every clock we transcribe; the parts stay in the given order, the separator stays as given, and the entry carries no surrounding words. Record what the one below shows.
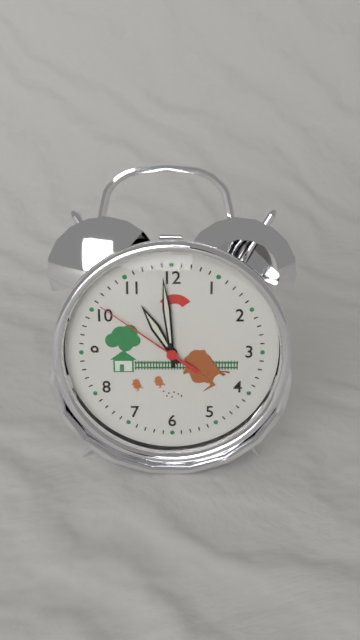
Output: 10h59m51s
